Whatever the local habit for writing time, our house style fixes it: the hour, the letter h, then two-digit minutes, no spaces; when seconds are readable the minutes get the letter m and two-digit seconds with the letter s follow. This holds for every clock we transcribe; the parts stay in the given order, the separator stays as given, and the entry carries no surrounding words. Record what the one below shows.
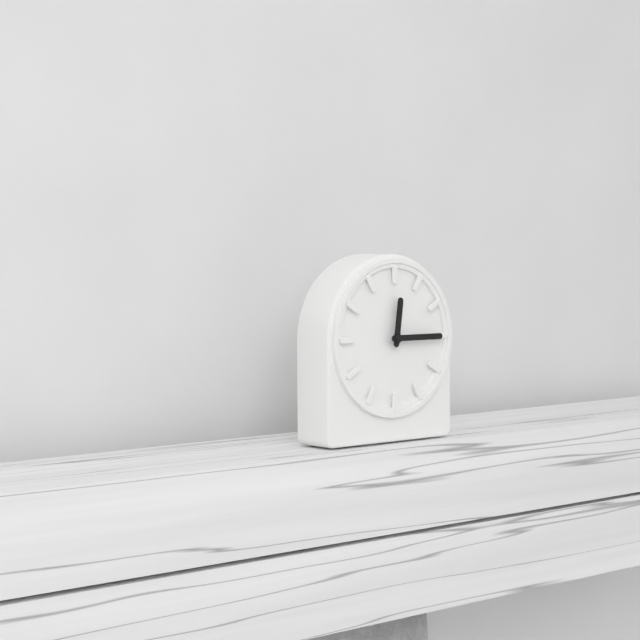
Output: 12h15
